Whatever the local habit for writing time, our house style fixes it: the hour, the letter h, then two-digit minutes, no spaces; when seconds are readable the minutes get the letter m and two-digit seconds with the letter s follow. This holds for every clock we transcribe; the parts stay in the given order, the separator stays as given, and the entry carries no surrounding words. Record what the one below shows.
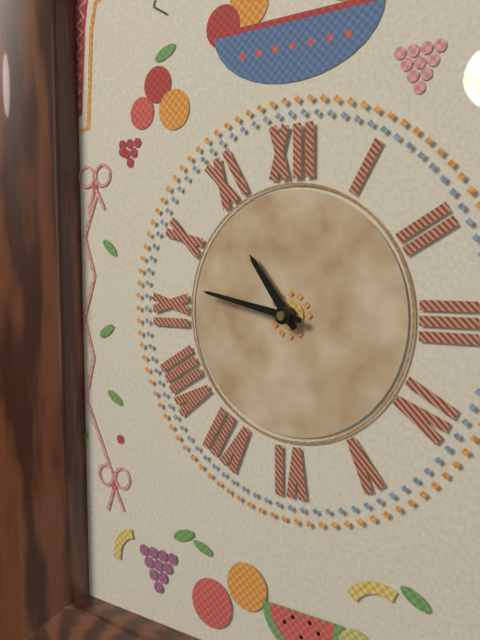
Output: 10h47
